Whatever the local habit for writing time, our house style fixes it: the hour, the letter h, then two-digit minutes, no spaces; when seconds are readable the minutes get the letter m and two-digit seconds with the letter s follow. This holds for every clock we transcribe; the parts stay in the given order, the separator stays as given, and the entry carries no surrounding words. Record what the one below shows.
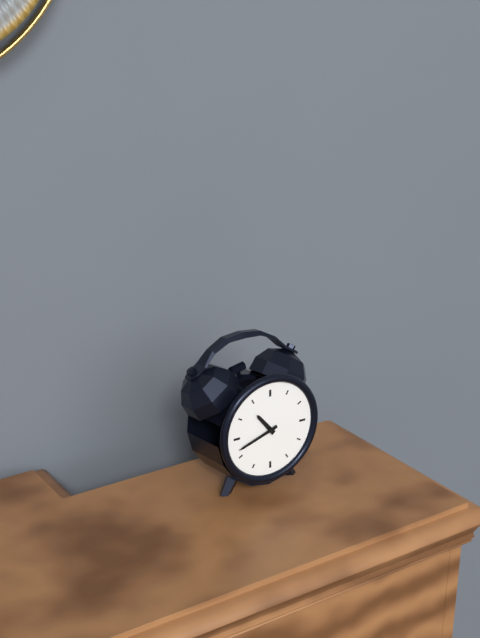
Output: 10h42
